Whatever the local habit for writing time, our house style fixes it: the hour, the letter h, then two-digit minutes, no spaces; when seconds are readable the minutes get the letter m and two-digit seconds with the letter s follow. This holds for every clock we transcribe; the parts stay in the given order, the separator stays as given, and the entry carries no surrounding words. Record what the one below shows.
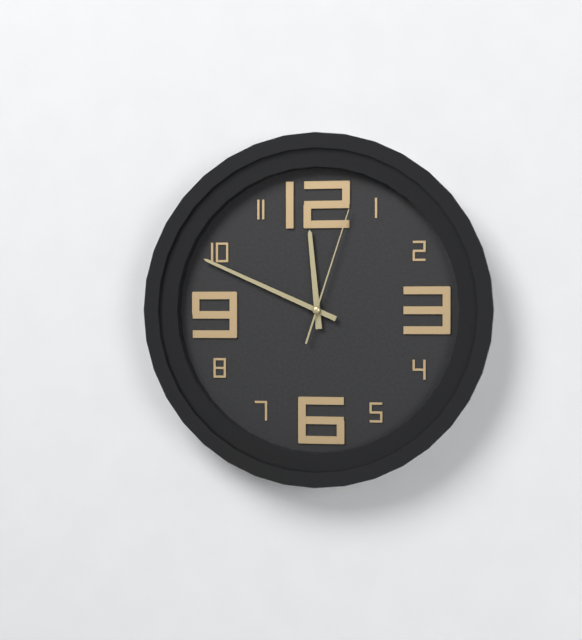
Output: 11h49m03s
